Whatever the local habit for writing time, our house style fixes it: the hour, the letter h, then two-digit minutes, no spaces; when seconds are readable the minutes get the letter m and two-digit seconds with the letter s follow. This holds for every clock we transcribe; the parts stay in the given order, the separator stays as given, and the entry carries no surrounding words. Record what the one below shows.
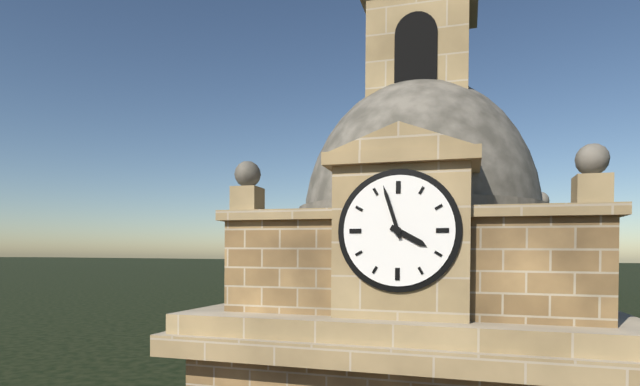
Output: 3h57
